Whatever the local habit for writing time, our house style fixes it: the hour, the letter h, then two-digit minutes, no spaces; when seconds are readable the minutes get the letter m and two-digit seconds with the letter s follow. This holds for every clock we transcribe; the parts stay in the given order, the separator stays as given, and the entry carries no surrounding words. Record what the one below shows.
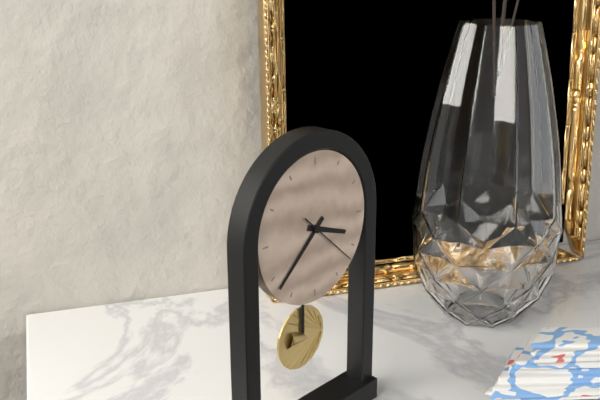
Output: 3h38m22s
